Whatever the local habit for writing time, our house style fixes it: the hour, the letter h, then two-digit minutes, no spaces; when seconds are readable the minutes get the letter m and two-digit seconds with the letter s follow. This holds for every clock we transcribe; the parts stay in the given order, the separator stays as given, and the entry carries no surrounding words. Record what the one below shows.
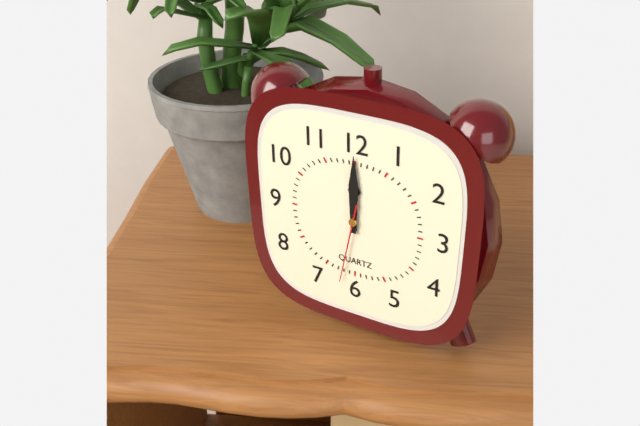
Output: 12h00m32s
